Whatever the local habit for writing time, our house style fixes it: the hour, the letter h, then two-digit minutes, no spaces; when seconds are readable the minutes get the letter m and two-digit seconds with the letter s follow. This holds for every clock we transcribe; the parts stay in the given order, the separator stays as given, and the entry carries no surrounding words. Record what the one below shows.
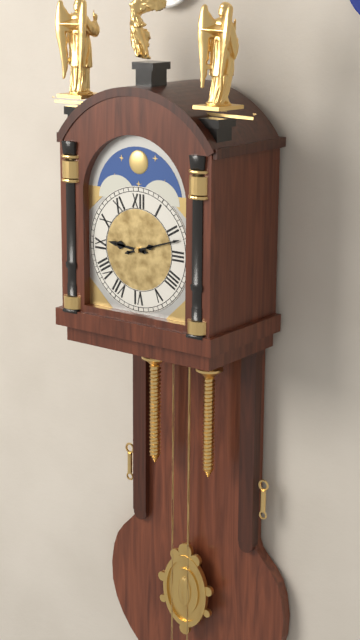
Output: 9h12
